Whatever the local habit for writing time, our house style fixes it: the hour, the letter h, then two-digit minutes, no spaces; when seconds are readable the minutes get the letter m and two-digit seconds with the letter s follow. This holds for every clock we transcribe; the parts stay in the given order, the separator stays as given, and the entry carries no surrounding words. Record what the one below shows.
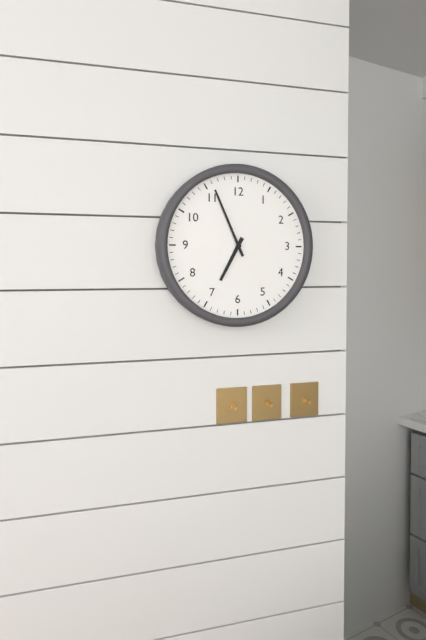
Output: 6h56
